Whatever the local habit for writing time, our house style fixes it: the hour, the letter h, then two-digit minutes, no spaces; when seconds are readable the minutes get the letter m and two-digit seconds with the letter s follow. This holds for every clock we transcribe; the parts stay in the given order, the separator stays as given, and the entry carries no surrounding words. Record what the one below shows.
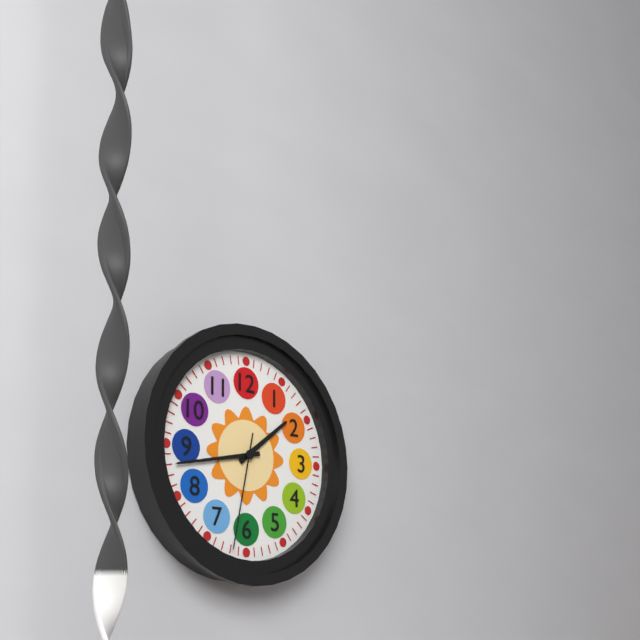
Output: 1h43m32s
